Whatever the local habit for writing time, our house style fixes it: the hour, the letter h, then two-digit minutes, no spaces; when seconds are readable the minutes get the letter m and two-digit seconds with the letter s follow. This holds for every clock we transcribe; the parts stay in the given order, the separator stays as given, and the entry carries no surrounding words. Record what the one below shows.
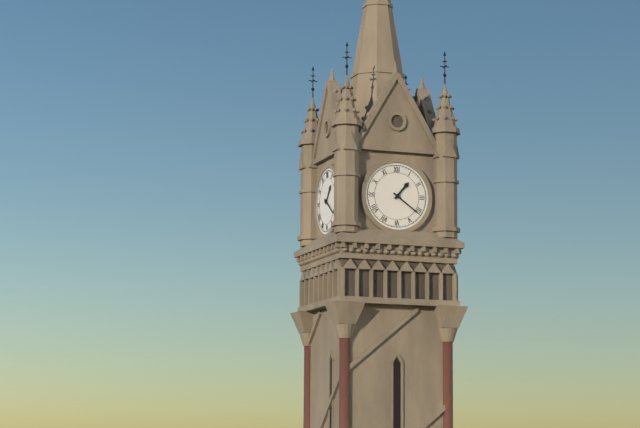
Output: 1h21
